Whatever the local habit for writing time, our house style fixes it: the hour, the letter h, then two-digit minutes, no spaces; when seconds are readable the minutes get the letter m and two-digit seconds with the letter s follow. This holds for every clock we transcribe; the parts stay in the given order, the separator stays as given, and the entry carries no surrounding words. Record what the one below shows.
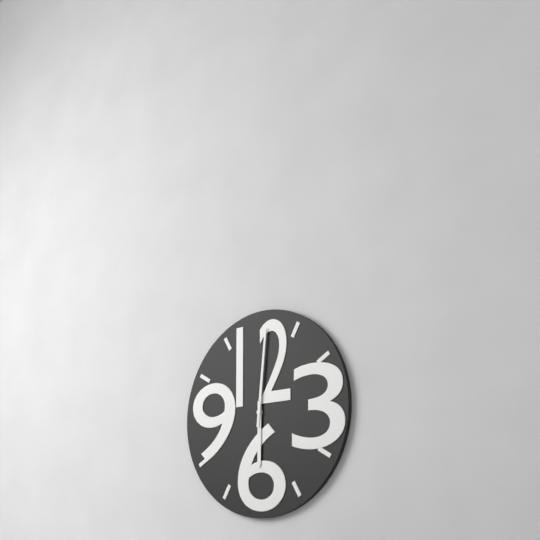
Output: 6h01
